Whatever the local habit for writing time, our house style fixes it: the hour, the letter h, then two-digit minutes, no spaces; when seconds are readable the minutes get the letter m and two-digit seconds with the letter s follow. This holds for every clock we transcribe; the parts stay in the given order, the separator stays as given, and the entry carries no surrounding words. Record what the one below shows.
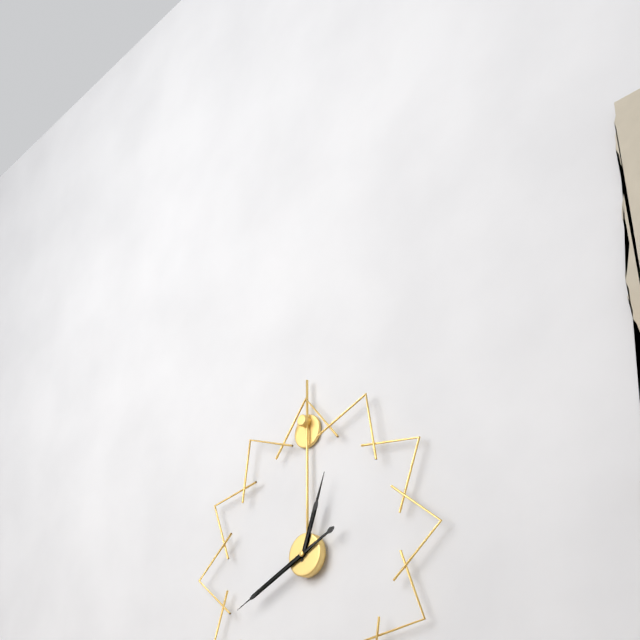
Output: 12h41
